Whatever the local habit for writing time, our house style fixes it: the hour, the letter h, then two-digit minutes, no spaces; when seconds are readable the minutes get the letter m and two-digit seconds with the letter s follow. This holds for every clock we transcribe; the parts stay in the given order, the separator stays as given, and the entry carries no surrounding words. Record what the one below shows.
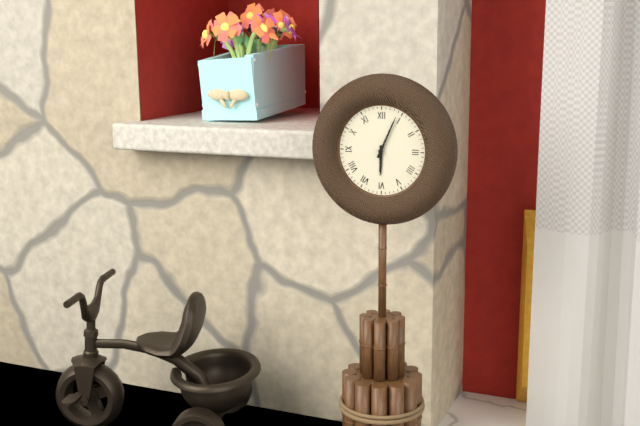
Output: 6h04
